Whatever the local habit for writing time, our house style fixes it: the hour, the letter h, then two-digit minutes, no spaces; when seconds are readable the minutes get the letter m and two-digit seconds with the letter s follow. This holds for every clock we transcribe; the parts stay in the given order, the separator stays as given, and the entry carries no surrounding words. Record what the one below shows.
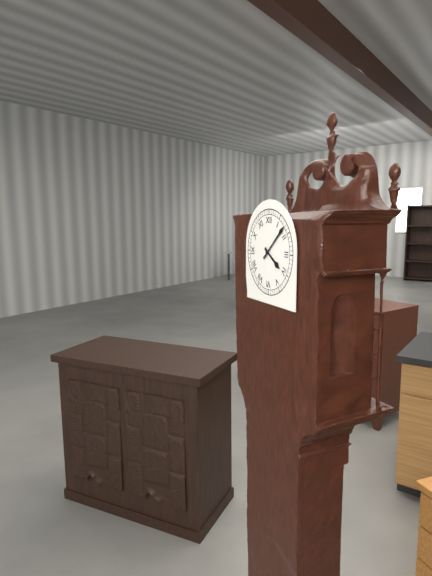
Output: 4h08
